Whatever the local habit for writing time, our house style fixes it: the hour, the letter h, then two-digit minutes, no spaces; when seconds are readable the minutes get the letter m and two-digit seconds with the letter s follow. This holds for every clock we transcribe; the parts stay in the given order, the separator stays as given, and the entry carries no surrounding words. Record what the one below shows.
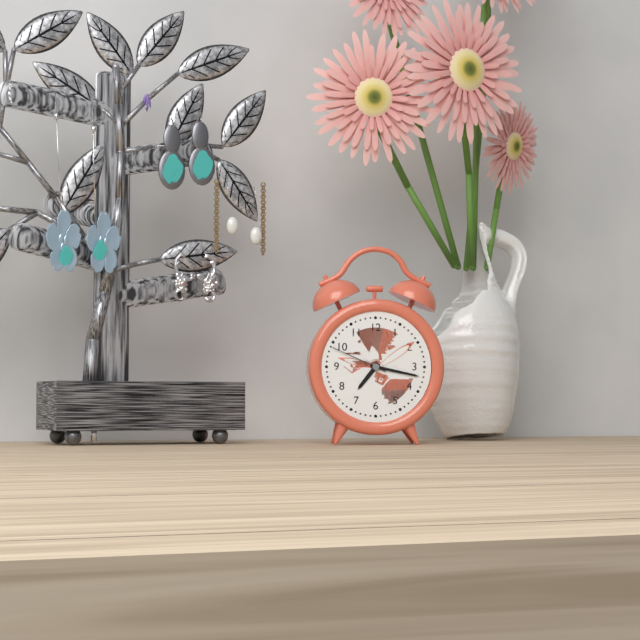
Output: 7h17m49s
